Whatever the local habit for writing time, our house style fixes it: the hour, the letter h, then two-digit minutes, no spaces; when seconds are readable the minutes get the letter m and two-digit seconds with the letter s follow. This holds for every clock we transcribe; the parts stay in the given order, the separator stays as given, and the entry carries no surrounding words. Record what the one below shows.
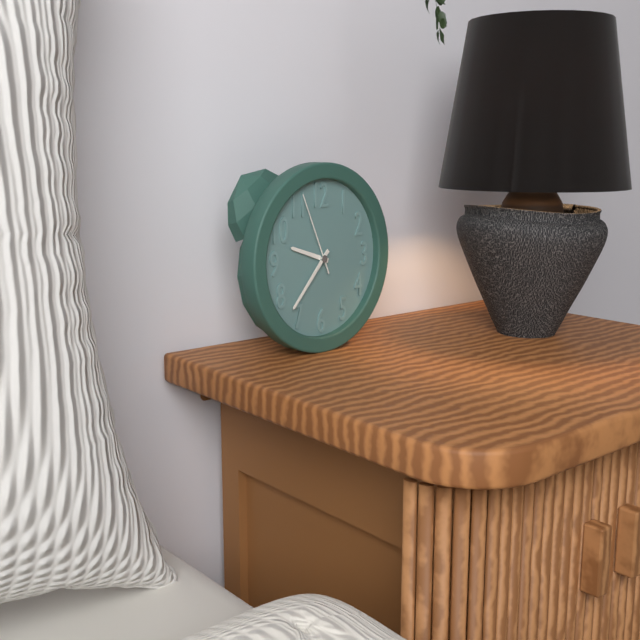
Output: 9h37m56s
